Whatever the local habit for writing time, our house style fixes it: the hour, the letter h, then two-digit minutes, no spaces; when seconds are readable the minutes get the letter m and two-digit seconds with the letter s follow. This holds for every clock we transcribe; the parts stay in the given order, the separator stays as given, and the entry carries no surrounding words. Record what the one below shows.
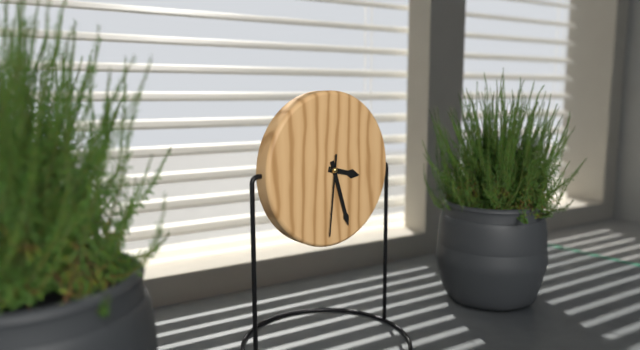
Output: 3h27m31s
